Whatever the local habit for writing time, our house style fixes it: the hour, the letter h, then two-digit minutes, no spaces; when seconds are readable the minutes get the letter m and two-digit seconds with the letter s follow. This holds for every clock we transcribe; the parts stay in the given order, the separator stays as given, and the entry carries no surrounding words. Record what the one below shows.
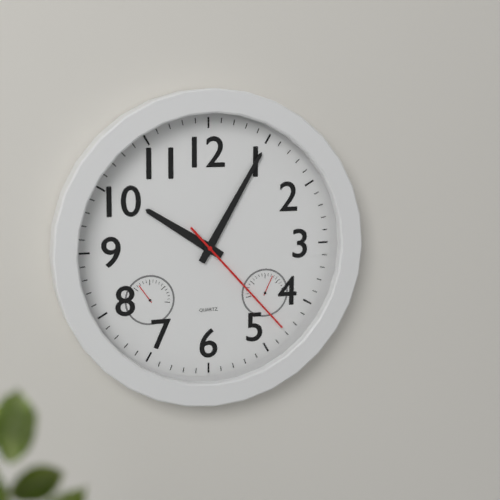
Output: 10h05m23s
